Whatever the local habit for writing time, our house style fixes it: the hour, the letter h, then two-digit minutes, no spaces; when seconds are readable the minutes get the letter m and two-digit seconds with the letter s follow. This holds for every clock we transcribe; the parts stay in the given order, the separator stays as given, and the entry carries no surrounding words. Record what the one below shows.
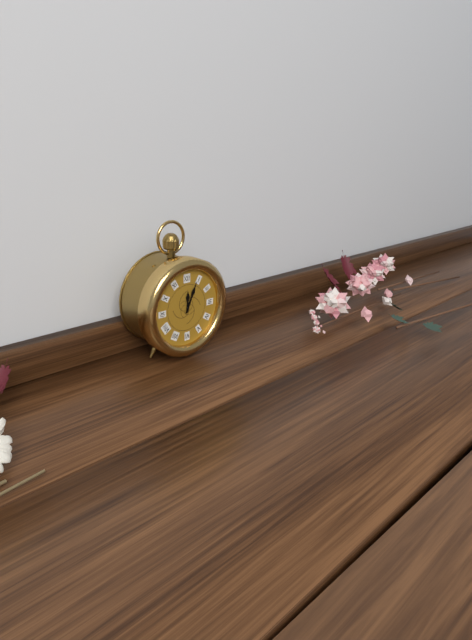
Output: 12h04
